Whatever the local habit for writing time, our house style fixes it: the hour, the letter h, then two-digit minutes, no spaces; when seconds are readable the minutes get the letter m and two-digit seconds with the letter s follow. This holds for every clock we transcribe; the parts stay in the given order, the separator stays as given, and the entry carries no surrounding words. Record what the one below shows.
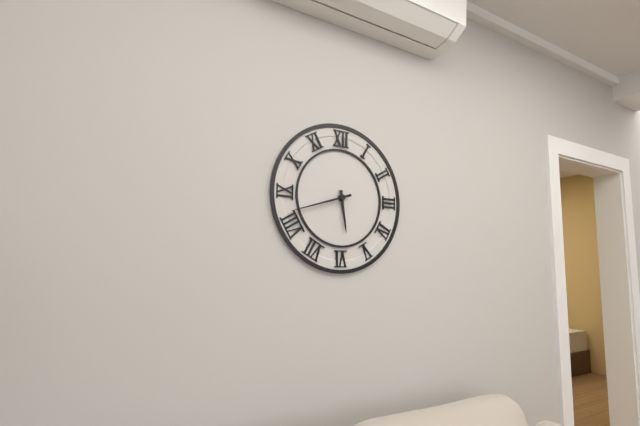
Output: 5h42
